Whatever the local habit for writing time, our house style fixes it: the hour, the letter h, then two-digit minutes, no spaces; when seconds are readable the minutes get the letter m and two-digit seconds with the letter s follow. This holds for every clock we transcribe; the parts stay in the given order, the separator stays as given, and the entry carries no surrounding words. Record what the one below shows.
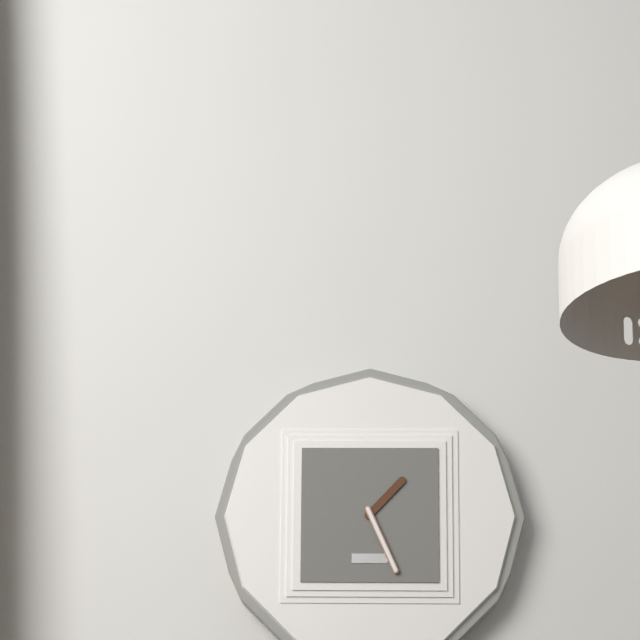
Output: 1h26
